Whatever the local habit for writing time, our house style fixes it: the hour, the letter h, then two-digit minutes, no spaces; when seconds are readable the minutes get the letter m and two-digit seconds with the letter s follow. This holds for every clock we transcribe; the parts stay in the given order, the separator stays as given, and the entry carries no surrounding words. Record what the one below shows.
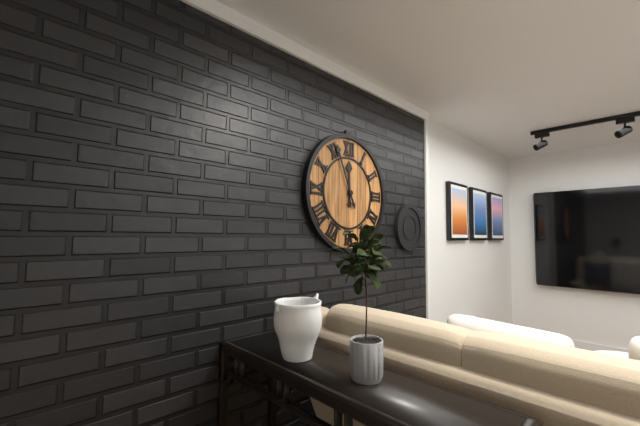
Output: 11h56
